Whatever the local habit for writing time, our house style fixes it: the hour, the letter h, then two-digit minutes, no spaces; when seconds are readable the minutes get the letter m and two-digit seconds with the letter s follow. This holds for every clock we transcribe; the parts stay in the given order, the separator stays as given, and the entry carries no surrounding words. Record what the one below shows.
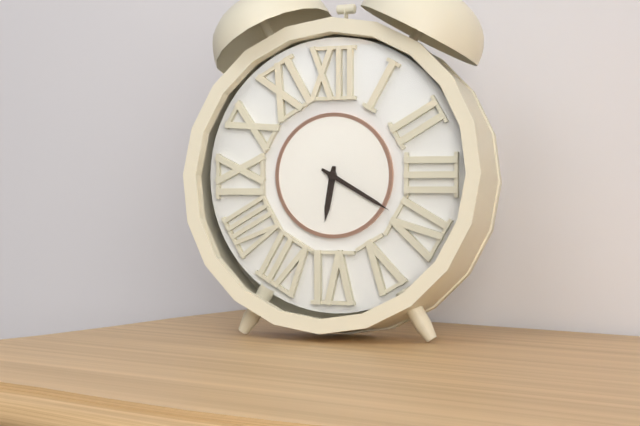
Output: 6h20
